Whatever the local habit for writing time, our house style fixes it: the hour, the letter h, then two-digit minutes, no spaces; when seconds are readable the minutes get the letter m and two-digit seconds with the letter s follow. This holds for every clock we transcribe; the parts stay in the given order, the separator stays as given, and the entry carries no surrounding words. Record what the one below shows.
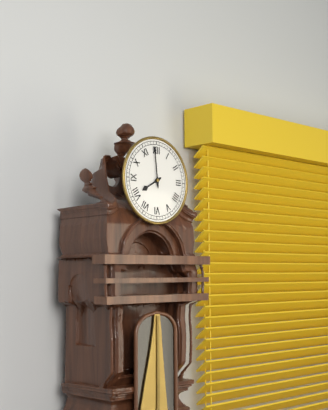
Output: 7h59
